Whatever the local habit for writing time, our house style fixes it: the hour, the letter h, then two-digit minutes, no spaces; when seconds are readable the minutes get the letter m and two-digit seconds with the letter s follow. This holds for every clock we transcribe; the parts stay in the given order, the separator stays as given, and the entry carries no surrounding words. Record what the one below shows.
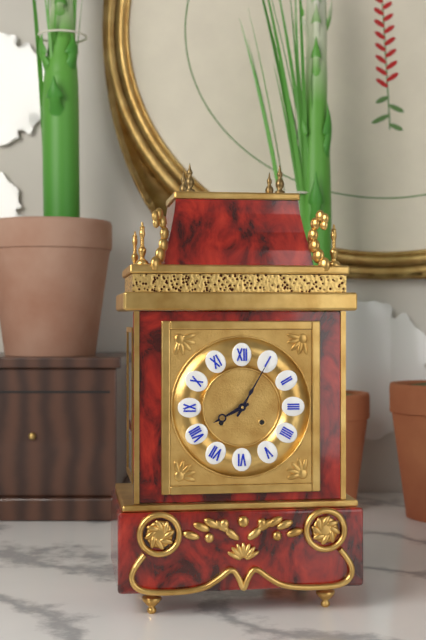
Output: 8h05
